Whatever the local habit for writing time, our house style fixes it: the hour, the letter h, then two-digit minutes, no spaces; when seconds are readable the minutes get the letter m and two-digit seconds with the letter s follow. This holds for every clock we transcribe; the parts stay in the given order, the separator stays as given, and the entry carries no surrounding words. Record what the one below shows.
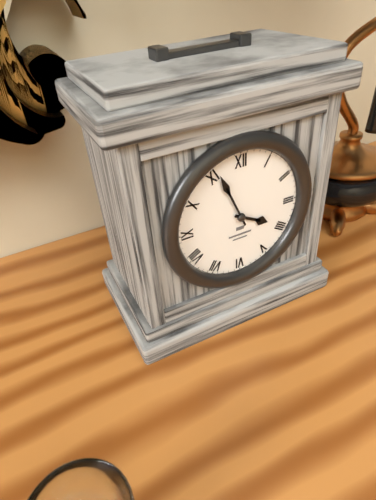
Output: 3h56
